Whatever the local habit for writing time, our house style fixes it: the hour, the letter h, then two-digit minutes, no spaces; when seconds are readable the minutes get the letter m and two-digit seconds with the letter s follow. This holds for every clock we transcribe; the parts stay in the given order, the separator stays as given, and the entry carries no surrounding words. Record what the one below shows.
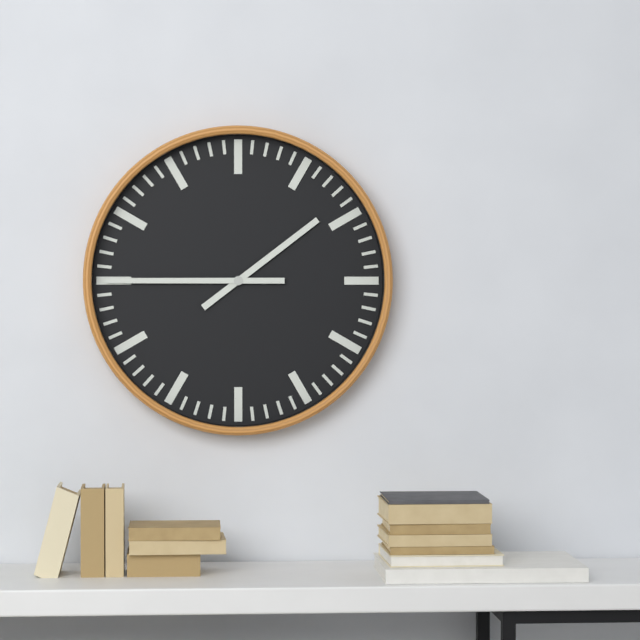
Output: 1h45
